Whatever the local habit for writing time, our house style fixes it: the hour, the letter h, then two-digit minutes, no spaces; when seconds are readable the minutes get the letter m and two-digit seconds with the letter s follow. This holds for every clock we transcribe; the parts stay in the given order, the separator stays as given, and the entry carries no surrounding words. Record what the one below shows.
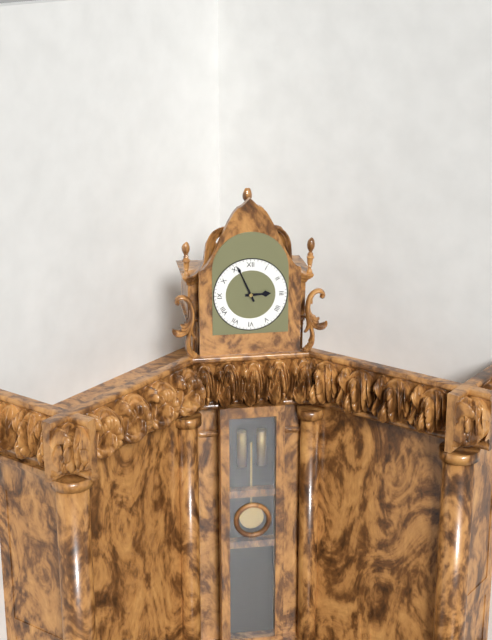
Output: 2h56
